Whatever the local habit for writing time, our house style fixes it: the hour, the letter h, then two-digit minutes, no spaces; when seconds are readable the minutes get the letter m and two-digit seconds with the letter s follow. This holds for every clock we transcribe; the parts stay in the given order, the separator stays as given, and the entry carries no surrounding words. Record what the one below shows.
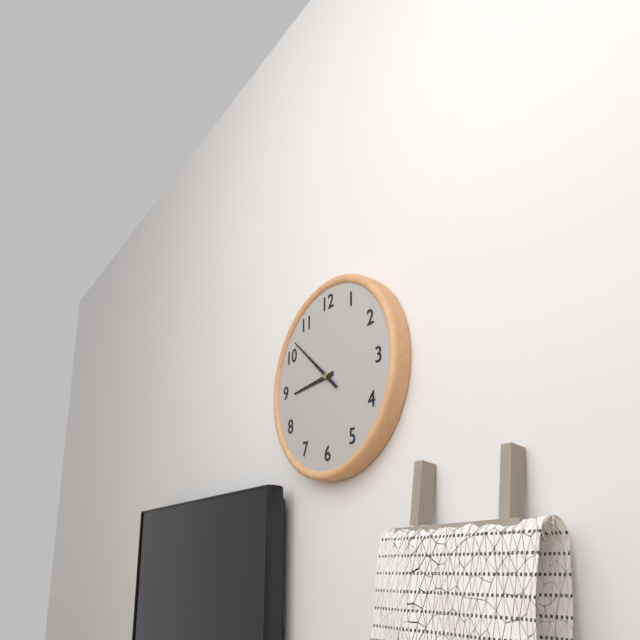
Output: 8h52
